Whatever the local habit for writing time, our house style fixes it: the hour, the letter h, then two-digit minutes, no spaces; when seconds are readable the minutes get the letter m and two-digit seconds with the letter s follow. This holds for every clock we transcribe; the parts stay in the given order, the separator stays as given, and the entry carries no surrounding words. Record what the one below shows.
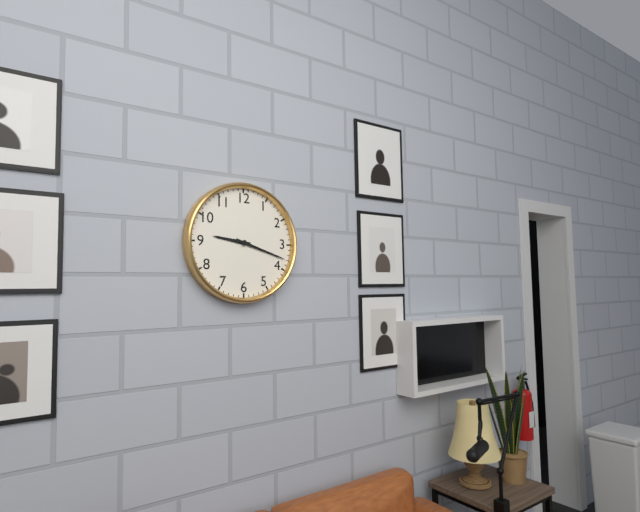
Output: 9h18
